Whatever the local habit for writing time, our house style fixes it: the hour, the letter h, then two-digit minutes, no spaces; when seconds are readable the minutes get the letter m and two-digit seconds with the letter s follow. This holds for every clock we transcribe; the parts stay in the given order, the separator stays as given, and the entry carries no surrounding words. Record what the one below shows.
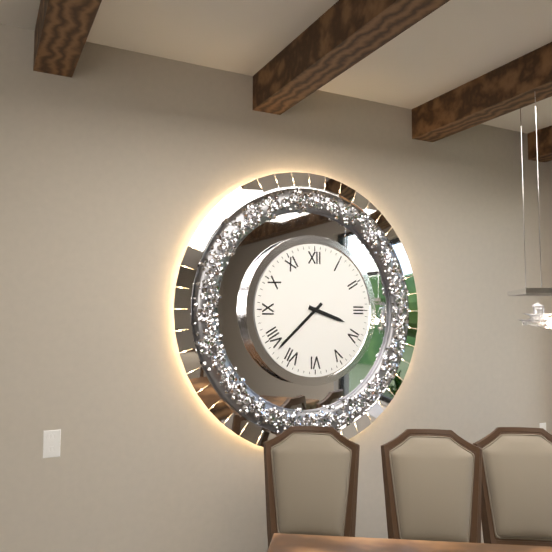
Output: 3h38
